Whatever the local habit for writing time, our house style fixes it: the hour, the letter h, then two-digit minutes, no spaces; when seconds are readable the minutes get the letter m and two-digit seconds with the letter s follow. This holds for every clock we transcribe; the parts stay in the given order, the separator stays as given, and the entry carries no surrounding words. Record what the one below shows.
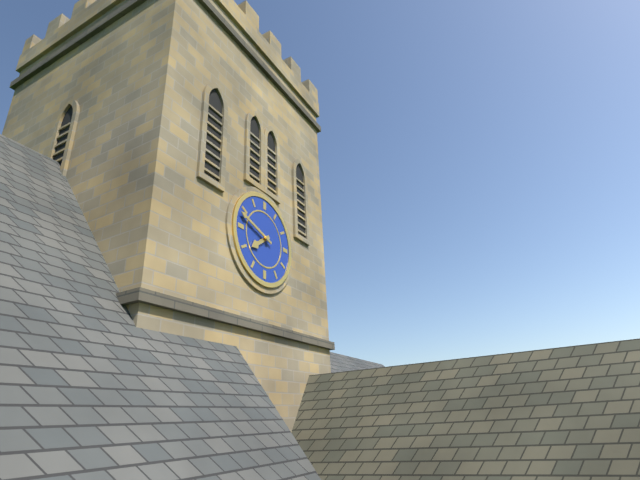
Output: 7h48
